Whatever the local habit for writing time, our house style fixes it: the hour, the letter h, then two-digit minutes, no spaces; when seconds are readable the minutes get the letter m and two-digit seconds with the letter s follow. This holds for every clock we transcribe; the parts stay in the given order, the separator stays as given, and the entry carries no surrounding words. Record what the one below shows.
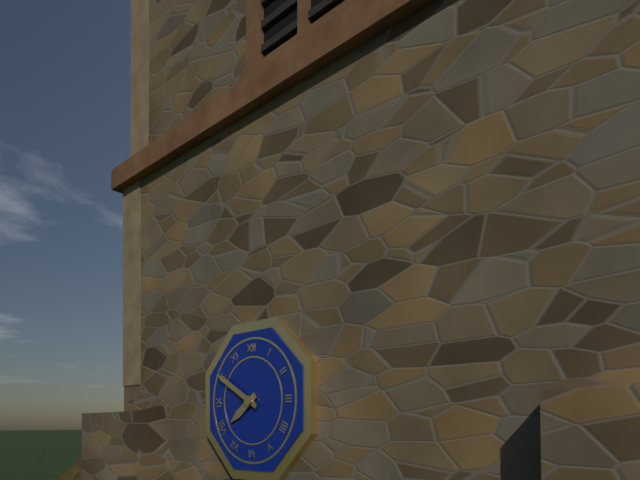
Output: 7h50
